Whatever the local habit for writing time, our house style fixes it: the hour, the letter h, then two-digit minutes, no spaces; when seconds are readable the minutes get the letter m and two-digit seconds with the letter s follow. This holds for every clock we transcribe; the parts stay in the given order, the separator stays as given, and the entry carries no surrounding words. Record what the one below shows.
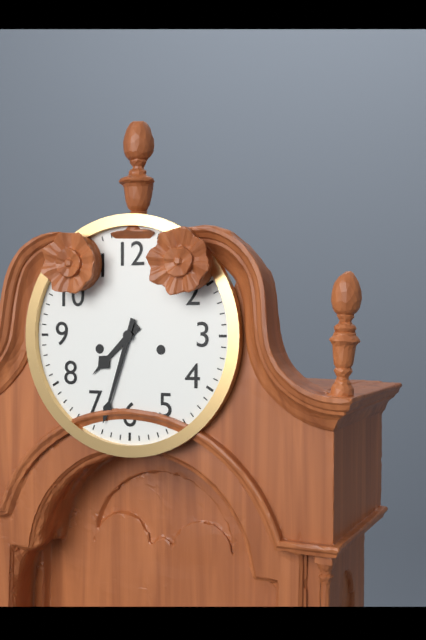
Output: 7h33
